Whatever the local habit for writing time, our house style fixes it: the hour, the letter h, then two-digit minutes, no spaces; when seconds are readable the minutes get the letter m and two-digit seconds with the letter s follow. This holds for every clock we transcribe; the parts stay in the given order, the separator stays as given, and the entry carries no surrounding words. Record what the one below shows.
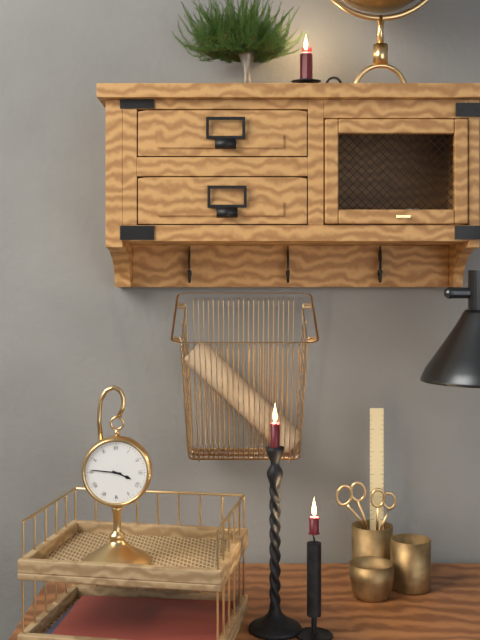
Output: 3h46
